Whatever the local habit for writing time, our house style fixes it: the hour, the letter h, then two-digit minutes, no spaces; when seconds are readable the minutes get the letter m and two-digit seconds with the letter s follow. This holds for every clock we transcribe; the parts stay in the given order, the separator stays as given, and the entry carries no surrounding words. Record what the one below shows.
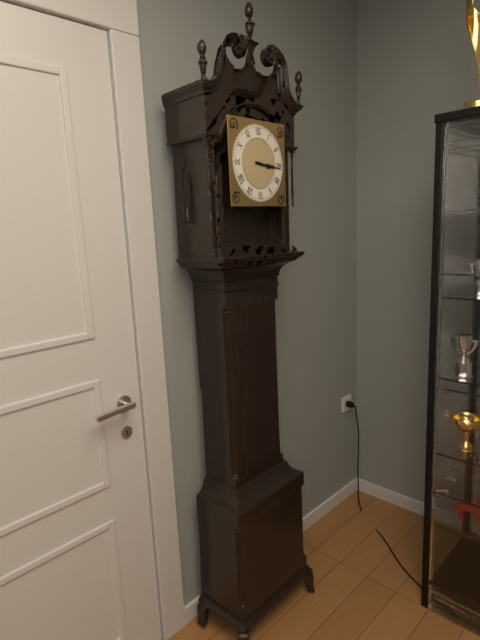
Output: 3h16
